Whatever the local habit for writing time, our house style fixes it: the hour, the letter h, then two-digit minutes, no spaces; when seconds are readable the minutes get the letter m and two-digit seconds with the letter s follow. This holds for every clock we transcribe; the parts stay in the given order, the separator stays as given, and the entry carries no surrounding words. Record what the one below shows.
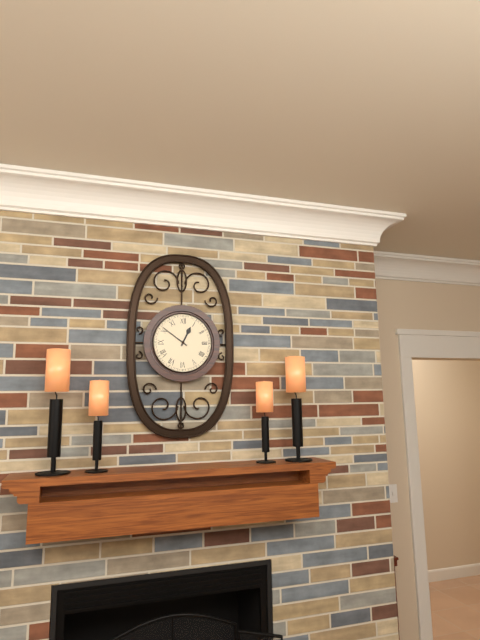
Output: 12h51
